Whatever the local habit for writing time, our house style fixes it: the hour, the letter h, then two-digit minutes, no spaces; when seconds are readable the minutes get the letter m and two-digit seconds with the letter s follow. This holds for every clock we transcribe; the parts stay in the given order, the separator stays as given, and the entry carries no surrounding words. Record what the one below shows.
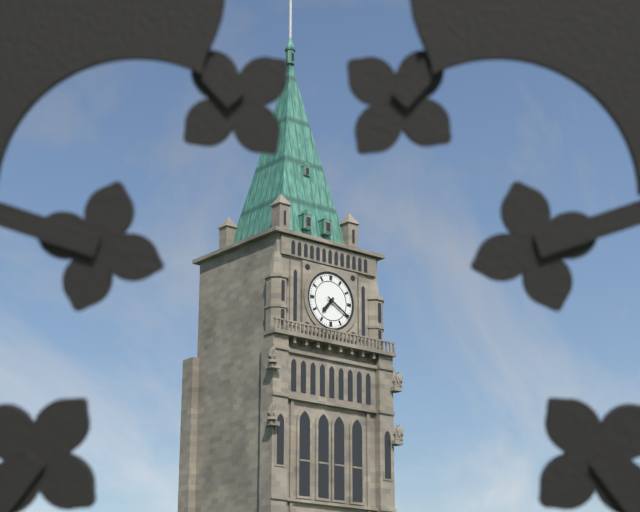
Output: 7h20
